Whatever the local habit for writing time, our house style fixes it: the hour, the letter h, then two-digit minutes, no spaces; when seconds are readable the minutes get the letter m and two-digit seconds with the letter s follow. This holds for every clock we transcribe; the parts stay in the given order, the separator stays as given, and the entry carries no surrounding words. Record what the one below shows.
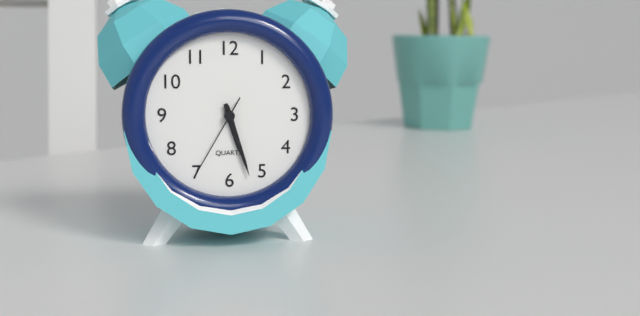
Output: 5h27m35s
